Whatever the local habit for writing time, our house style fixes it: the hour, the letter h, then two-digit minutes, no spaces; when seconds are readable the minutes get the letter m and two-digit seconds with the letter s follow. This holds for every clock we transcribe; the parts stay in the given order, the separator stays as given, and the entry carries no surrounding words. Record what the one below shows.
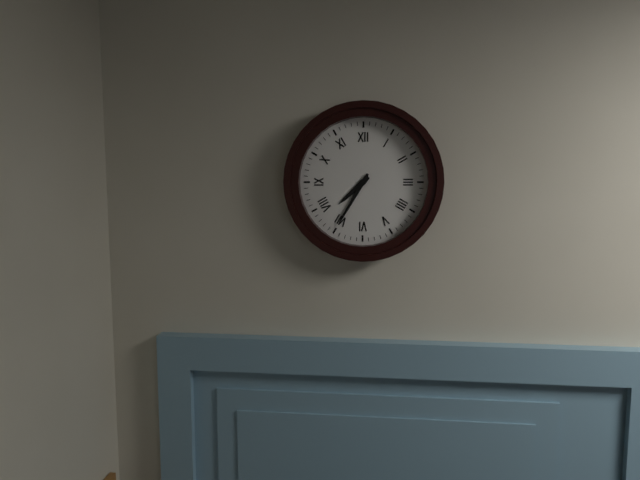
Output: 7h35
